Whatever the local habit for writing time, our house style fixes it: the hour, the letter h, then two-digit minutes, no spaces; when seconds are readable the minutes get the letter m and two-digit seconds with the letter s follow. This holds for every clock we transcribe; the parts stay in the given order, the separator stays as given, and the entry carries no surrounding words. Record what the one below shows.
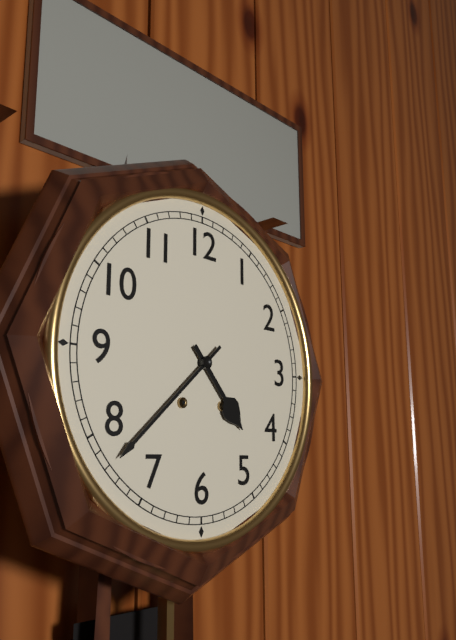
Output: 4h38
